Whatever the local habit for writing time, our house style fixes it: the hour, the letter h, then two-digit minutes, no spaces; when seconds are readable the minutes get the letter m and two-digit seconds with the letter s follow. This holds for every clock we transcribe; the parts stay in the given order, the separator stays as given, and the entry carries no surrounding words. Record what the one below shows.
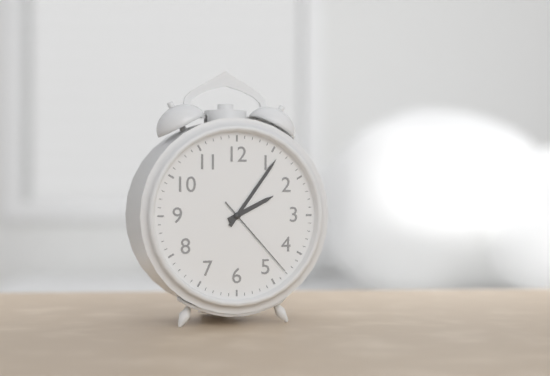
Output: 2h06m23s
